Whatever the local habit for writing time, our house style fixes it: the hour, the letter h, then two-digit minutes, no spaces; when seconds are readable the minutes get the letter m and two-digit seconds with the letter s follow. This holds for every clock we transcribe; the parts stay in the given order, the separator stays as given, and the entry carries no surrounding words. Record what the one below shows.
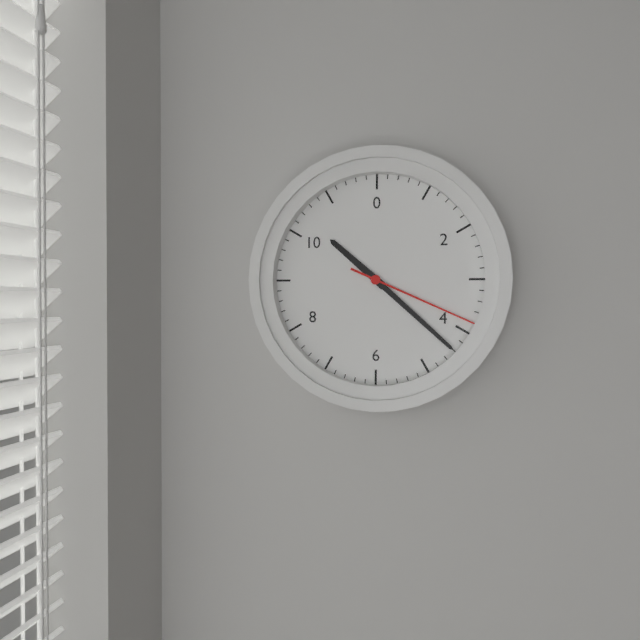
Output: 10h22m19s
